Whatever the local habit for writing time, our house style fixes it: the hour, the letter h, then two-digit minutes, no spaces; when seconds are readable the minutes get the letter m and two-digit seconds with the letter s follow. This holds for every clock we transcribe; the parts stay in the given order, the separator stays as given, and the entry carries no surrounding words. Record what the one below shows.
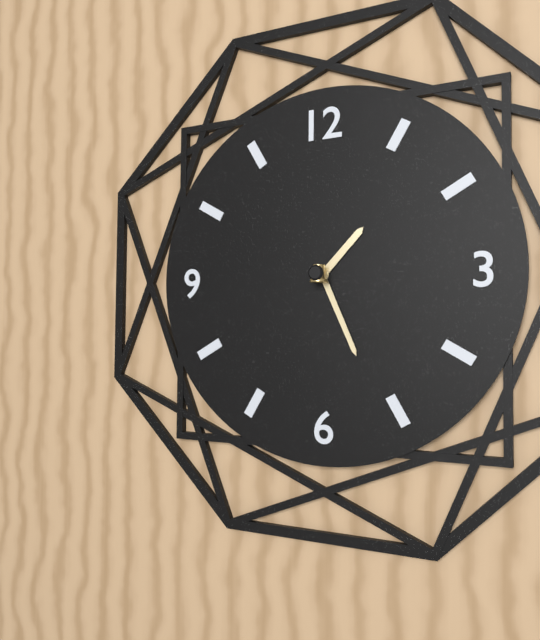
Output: 1h26
